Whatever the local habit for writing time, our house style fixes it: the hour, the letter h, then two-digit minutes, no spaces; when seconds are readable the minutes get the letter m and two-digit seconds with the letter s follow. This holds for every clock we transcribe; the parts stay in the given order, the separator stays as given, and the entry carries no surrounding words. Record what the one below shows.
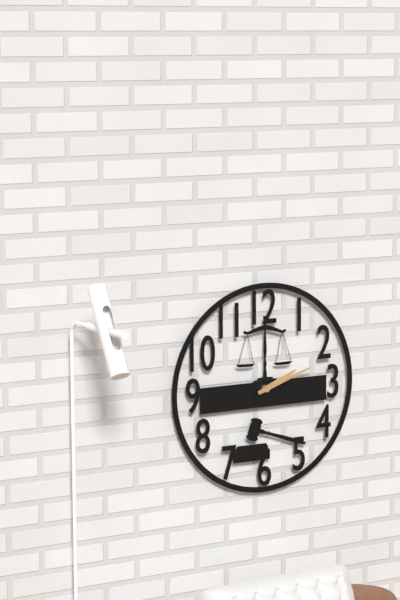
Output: 2h12
